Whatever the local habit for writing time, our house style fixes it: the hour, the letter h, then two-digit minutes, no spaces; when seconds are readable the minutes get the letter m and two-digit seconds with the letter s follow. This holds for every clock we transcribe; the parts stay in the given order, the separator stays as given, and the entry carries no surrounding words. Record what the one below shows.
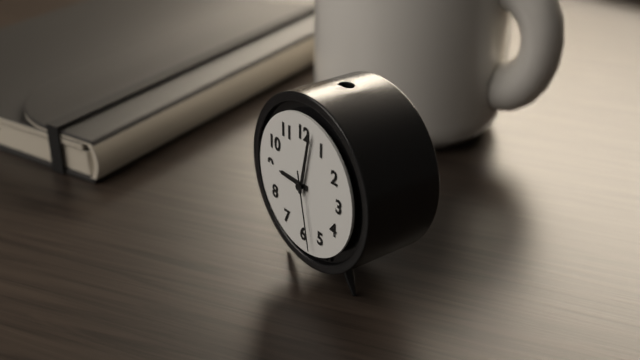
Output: 9h02m28s
